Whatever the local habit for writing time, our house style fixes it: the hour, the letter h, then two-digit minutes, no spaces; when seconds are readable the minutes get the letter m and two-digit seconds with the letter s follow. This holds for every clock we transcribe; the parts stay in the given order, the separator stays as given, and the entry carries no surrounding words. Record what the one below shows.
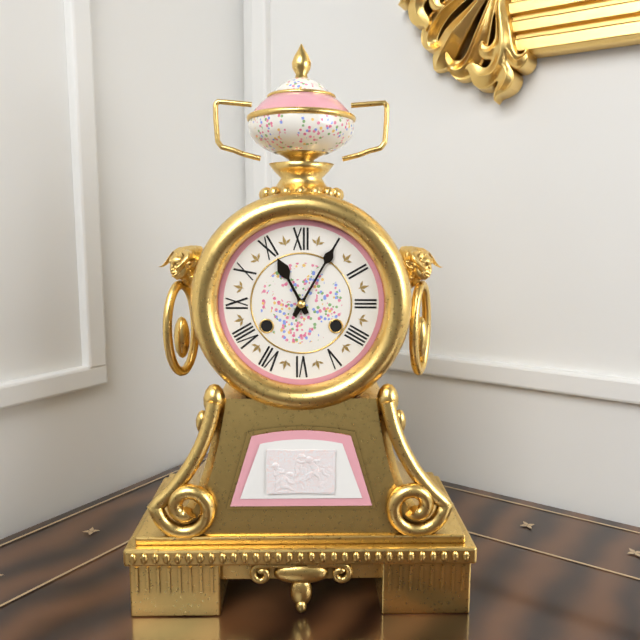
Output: 11h05
